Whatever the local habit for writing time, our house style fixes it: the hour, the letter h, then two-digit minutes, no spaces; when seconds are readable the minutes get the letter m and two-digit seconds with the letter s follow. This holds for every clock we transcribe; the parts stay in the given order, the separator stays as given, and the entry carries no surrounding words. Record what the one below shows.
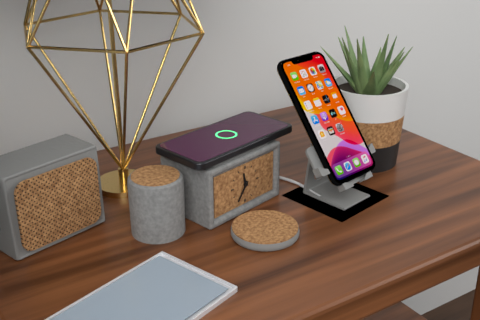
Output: 11h36
